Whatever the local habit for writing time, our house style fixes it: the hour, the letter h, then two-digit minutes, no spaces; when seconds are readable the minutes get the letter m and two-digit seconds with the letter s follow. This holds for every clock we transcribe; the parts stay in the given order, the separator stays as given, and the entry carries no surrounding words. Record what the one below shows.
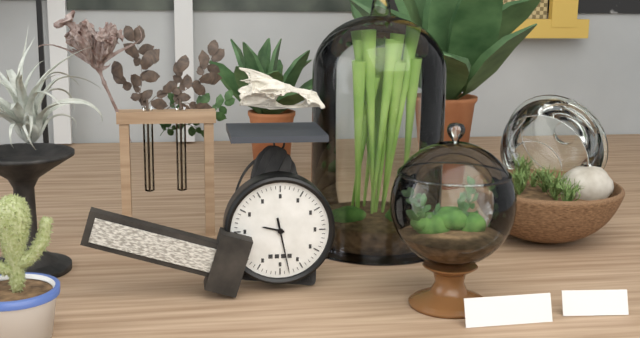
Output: 9h28
